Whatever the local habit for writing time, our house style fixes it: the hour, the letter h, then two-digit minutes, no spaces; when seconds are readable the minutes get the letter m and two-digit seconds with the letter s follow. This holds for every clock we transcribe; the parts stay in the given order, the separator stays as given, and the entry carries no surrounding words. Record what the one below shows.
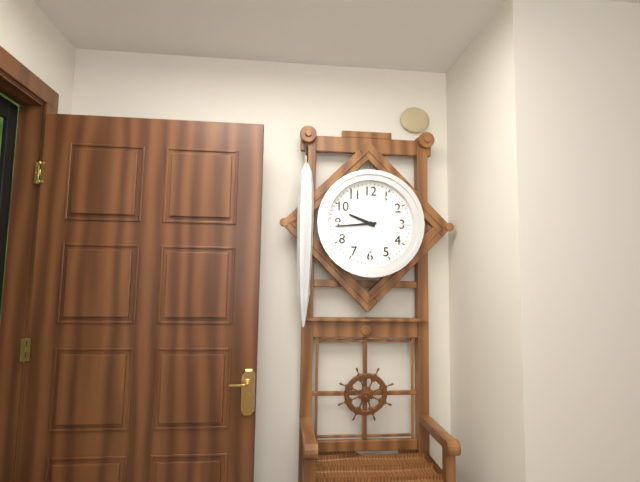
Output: 9h44
